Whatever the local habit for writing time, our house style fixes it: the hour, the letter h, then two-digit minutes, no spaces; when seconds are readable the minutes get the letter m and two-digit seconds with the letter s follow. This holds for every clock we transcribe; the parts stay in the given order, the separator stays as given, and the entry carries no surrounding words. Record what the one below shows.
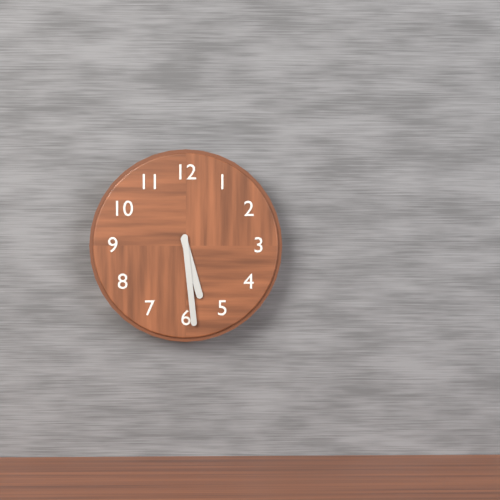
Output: 5h29
